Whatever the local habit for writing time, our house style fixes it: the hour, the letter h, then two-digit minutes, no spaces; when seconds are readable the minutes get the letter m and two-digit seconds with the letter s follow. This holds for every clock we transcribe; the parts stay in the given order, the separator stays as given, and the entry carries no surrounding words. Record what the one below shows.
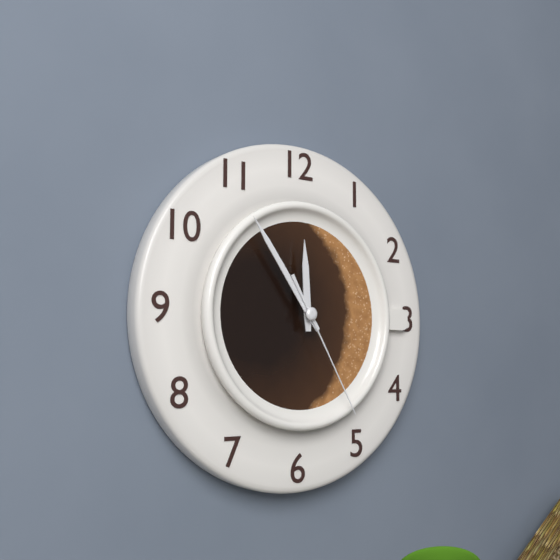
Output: 11h54m25s
